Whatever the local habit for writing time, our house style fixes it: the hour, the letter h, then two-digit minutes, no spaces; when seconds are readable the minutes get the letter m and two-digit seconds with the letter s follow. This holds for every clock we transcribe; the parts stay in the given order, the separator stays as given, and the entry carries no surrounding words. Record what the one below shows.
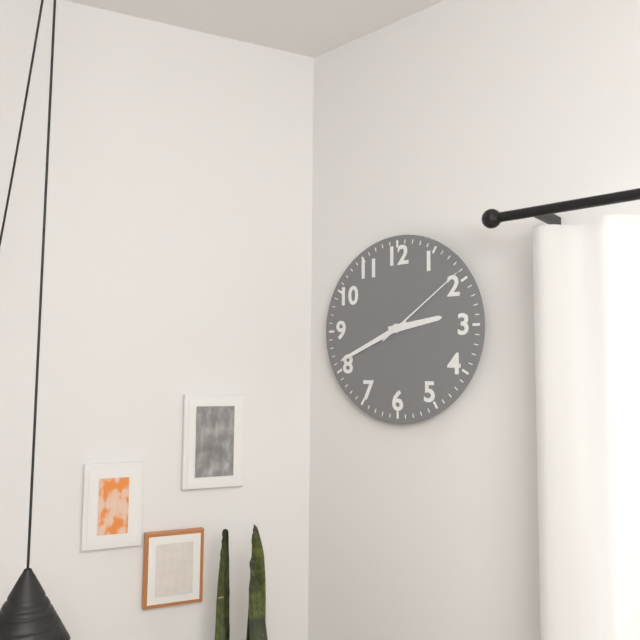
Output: 2h41m09s
